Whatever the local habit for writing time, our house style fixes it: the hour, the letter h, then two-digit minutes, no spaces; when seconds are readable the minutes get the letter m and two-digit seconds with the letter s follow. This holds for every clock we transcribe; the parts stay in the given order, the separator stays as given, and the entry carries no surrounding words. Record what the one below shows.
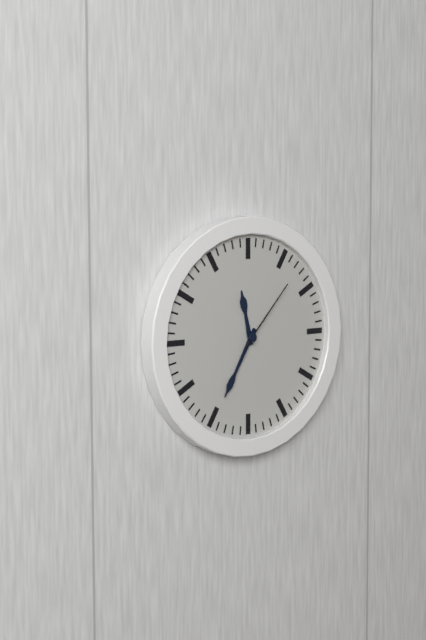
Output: 11h35m07s
